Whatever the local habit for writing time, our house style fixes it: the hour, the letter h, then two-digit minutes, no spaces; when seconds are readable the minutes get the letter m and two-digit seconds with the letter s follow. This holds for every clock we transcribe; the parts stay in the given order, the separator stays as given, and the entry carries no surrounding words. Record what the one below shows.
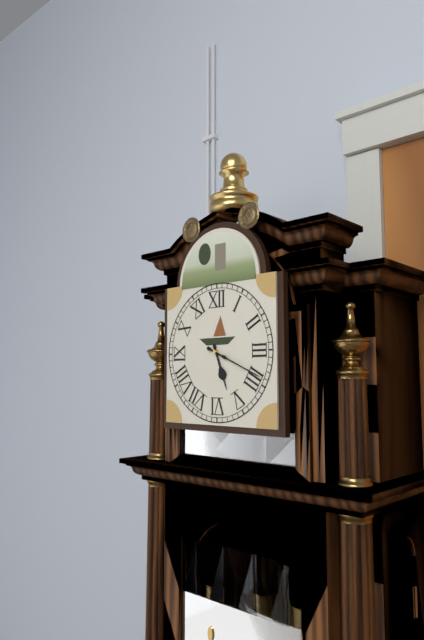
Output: 5h19
